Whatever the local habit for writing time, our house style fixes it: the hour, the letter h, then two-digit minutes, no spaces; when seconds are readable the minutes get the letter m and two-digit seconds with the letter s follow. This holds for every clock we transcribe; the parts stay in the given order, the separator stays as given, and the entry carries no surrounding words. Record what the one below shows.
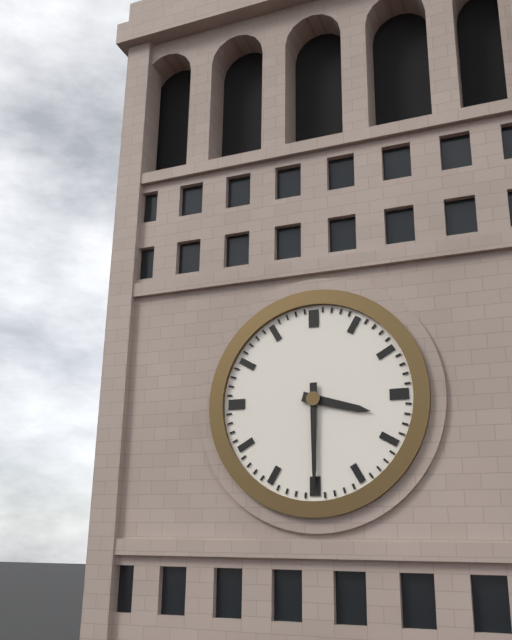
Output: 3h30
